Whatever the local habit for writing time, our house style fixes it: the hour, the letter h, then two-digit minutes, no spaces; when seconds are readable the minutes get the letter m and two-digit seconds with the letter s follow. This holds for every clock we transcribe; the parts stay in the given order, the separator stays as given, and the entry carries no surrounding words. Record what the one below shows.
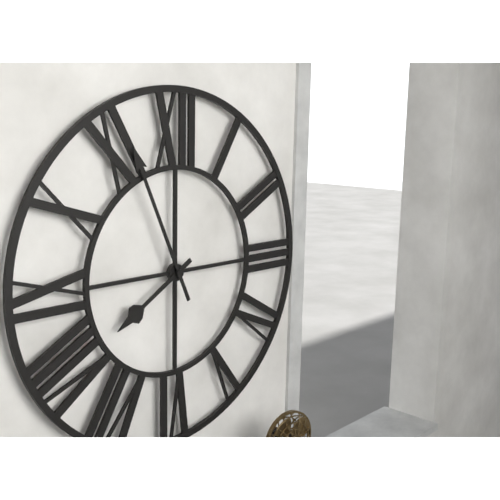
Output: 7h56
